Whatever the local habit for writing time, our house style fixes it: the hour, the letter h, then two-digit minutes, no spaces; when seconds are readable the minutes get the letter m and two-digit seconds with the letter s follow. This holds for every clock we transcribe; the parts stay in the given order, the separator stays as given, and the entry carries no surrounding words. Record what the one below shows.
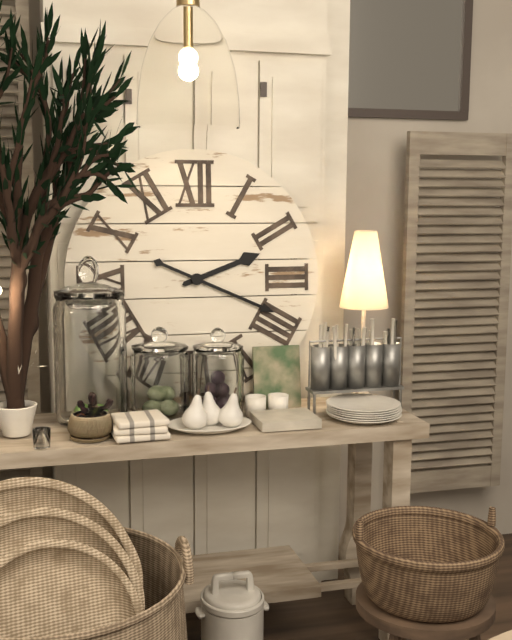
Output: 2h19
